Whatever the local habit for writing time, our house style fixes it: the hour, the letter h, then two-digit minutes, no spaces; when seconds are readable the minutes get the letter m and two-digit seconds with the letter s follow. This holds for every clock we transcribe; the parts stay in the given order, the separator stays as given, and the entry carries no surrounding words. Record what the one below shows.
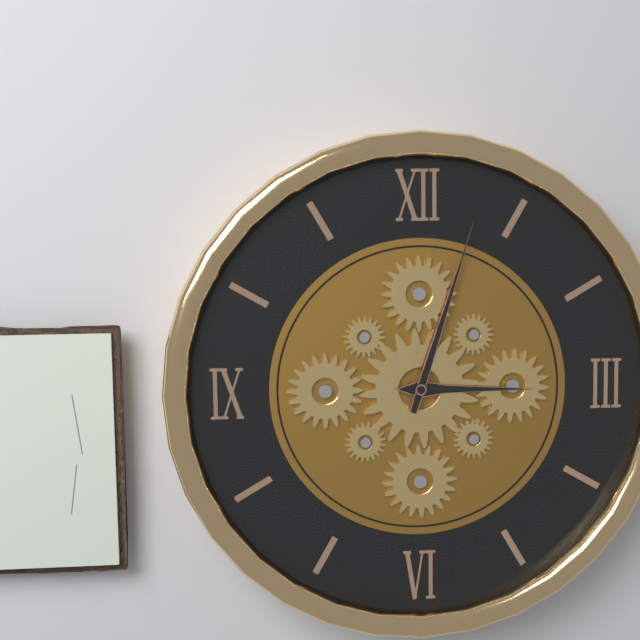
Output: 3h03
